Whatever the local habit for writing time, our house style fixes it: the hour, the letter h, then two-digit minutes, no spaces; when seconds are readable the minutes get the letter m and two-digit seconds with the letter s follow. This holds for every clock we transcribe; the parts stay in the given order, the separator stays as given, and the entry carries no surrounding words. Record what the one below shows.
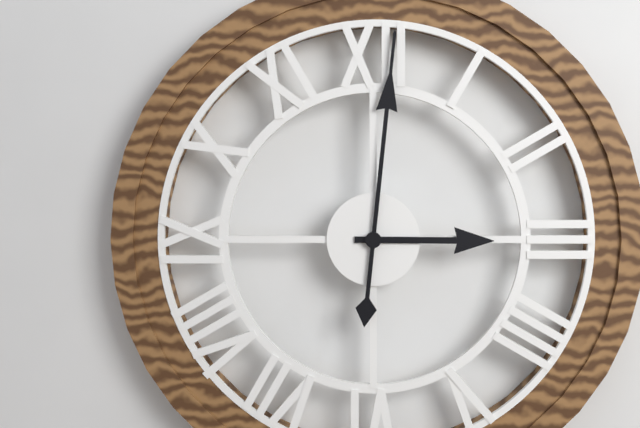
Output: 3h01
